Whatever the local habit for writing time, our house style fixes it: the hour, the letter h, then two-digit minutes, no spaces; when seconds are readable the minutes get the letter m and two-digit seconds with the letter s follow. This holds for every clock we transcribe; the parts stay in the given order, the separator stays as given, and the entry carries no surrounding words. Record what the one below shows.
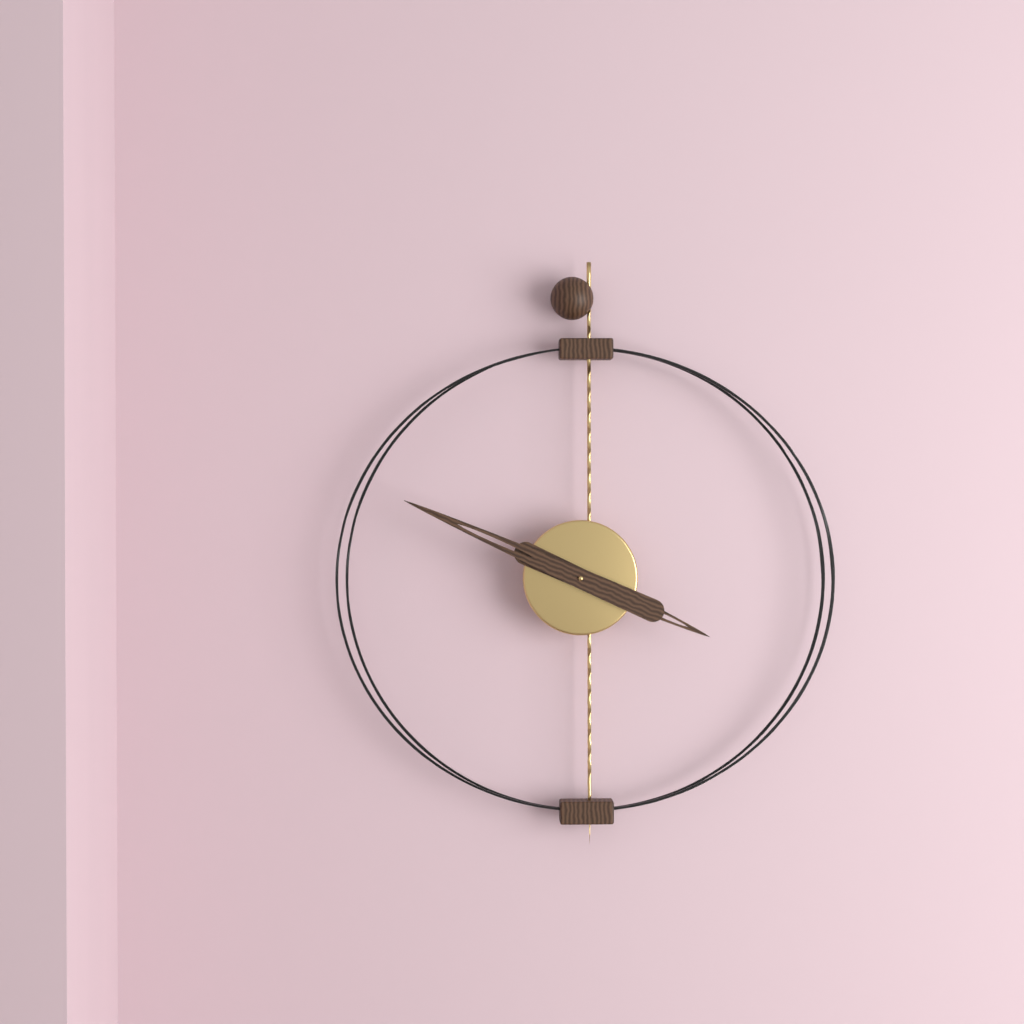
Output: 3h49
